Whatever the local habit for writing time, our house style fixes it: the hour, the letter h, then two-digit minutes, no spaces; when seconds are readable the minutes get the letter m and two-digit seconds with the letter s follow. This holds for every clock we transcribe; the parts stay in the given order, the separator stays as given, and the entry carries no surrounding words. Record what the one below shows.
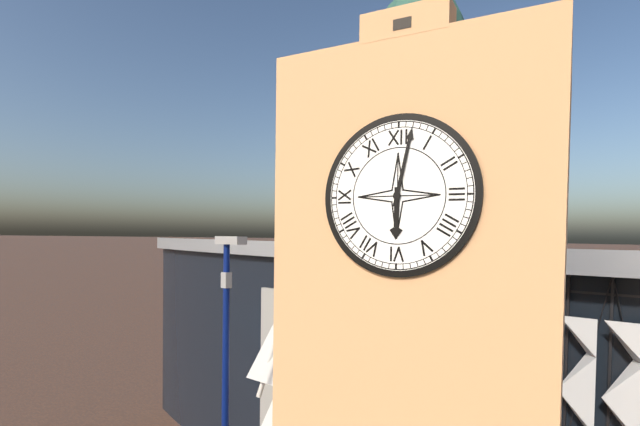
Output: 6h02
